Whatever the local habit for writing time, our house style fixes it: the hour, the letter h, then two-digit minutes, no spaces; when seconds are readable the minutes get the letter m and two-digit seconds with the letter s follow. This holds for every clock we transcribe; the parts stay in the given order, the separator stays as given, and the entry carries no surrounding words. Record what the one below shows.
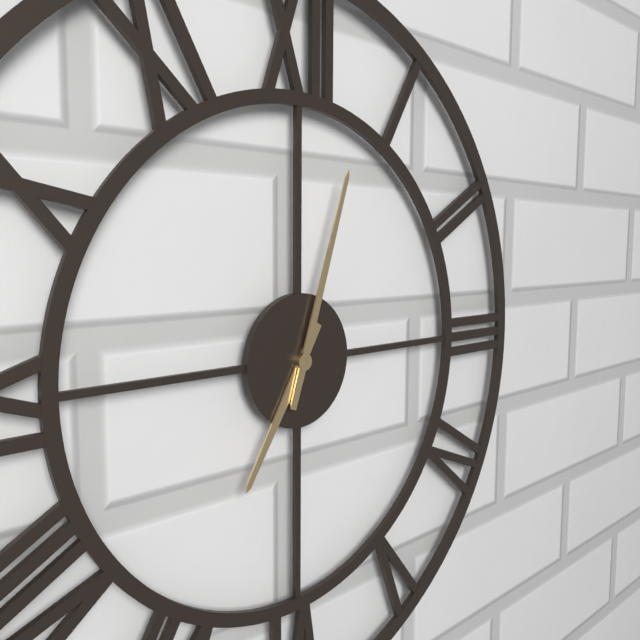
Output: 7h03
